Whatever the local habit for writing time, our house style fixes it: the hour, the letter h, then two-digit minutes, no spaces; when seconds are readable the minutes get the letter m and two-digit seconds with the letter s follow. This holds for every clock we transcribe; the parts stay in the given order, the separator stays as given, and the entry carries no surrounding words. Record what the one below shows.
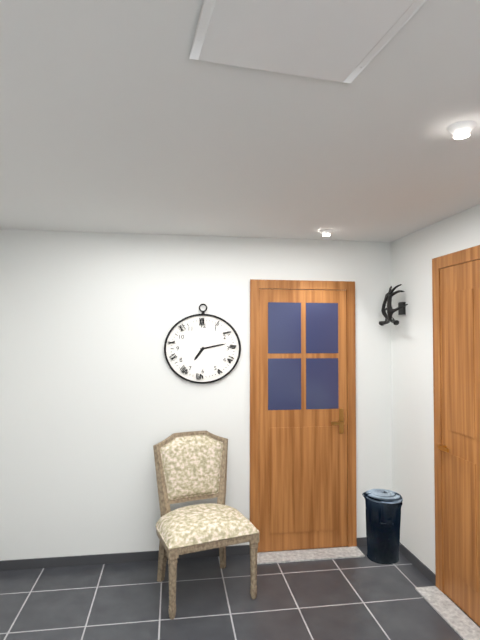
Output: 7h13
